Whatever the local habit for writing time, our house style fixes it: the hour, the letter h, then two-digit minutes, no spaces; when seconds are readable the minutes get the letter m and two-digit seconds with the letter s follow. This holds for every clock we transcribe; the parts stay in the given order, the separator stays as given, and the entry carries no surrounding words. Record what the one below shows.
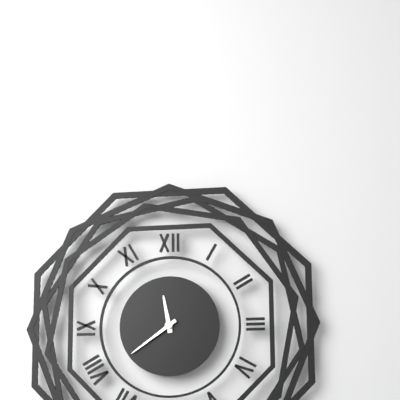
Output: 11h39
